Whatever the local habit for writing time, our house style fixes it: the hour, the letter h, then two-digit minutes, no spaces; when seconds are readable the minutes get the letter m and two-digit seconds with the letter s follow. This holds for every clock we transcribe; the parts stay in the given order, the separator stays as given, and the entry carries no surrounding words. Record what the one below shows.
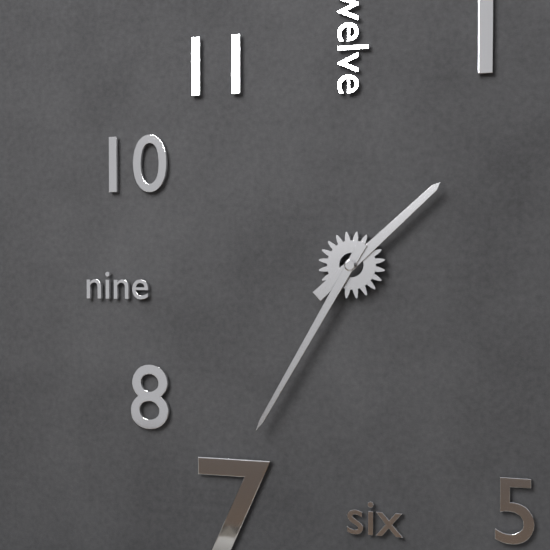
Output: 1h35
